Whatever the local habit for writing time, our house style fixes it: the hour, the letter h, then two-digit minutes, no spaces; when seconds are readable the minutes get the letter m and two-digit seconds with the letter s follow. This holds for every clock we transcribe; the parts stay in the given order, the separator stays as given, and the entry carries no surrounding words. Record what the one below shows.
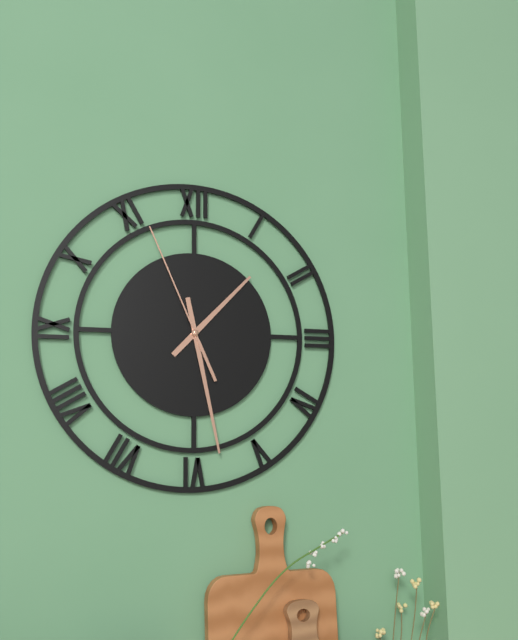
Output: 1h28m56s
